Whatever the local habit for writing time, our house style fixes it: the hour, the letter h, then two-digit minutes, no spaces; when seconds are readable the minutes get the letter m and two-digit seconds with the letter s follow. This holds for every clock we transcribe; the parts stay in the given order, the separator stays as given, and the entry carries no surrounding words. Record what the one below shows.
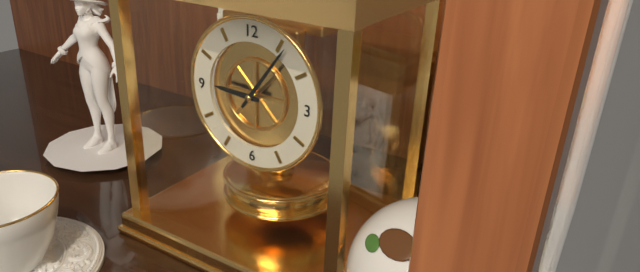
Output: 9h06
